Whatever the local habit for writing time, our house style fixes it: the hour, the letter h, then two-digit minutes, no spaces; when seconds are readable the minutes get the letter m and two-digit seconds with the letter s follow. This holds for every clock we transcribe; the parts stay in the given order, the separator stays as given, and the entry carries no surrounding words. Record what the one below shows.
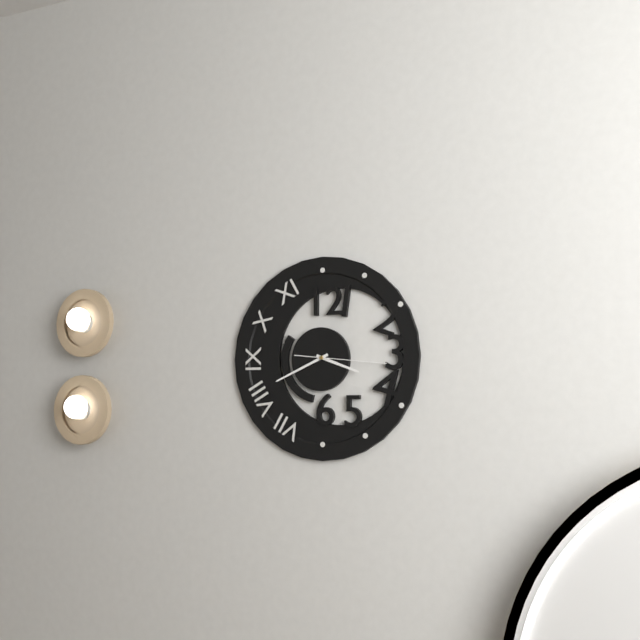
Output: 3h41m16s
